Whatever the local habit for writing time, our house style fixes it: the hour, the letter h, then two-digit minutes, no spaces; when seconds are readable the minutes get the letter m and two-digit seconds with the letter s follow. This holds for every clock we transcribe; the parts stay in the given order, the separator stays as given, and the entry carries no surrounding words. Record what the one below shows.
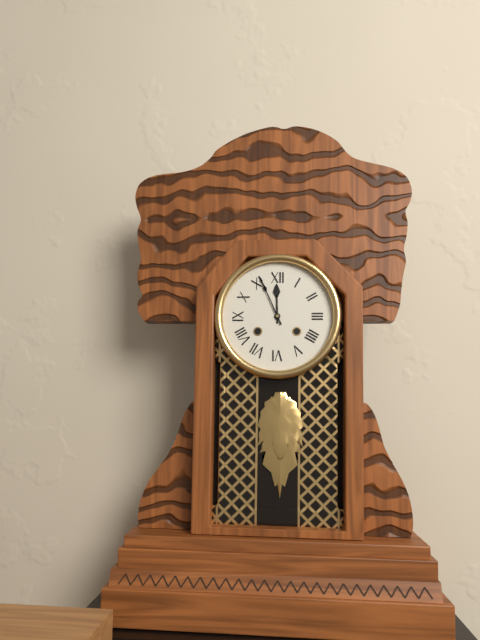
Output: 11h56
